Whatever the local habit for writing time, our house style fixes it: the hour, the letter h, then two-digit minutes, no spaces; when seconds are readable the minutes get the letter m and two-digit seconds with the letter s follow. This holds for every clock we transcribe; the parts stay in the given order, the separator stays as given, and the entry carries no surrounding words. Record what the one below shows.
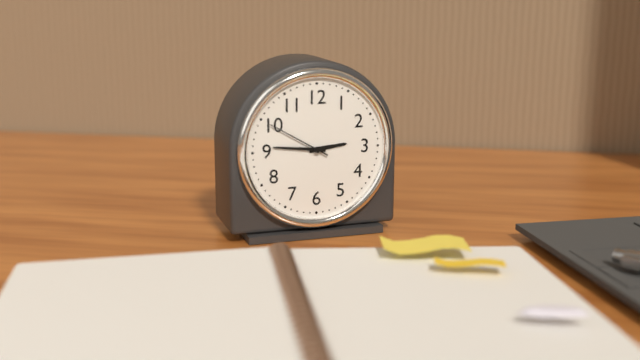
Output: 2h46m50s
